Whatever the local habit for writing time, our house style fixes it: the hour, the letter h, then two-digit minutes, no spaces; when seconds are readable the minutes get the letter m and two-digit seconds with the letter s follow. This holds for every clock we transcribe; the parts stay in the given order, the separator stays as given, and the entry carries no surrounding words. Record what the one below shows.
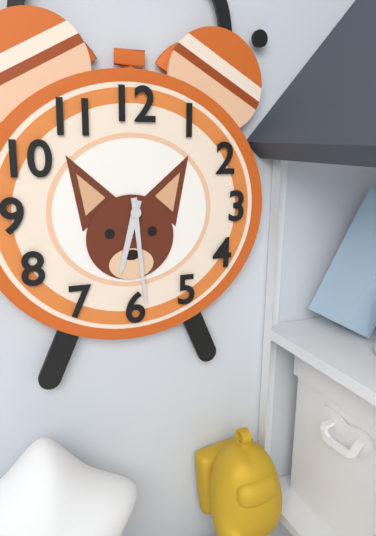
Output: 6h29
